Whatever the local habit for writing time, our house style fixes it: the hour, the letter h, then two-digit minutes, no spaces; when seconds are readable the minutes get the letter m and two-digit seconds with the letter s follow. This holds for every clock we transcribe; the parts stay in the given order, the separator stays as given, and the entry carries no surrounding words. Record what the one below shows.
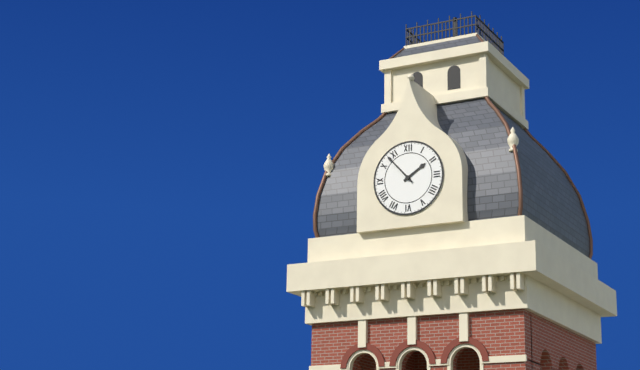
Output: 1h53
